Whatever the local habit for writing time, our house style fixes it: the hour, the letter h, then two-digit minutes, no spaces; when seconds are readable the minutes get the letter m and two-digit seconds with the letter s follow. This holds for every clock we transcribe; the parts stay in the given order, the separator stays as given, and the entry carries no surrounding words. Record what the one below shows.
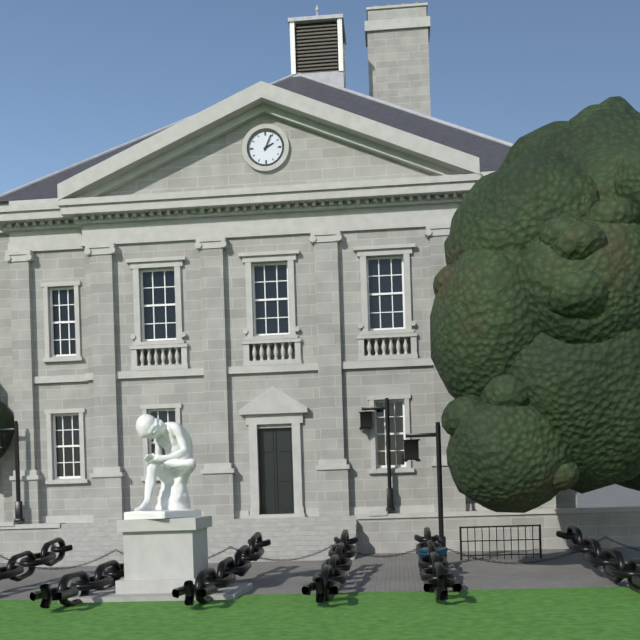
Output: 2h04
